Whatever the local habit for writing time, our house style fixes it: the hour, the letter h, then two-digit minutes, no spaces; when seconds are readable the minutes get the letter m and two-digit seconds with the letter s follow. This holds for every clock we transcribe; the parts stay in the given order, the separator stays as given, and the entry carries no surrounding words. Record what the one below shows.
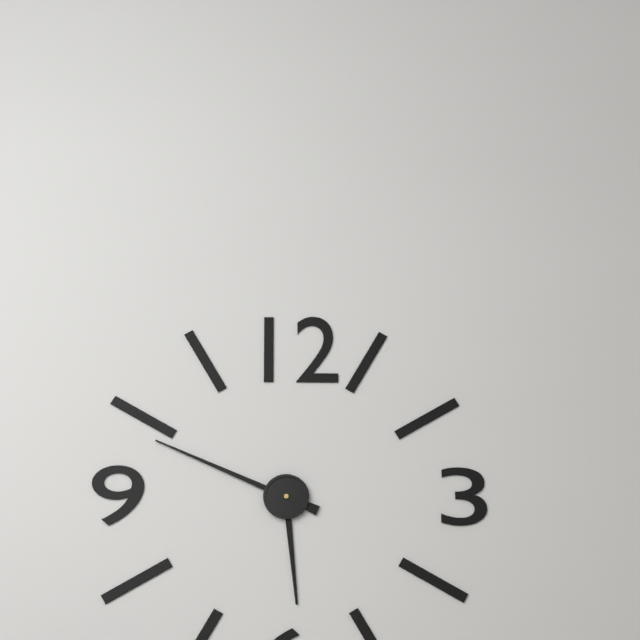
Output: 5h49
